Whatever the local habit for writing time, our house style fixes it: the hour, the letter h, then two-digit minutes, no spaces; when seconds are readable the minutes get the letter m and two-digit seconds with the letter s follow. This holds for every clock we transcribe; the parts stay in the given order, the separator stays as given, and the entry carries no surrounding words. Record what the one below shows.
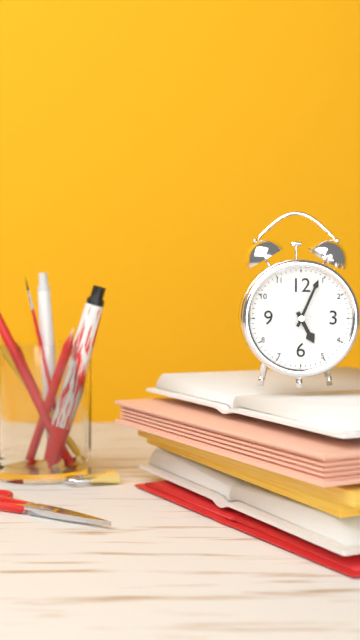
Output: 5h04m43s
